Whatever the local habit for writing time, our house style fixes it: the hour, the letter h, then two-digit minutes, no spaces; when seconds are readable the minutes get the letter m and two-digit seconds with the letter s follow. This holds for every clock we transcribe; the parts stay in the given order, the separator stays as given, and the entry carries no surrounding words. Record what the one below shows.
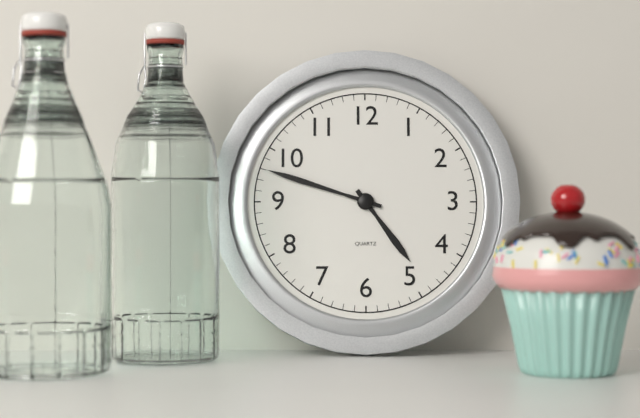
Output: 4h48
